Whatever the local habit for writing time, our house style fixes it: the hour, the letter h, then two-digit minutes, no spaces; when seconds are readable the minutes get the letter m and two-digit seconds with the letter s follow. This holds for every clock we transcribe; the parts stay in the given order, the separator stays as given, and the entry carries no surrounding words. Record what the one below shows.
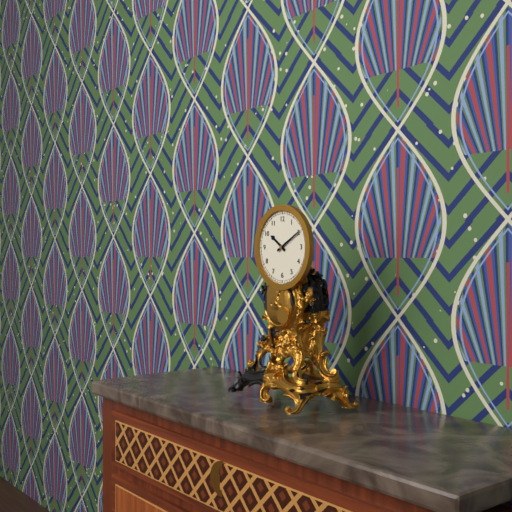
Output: 10h10
